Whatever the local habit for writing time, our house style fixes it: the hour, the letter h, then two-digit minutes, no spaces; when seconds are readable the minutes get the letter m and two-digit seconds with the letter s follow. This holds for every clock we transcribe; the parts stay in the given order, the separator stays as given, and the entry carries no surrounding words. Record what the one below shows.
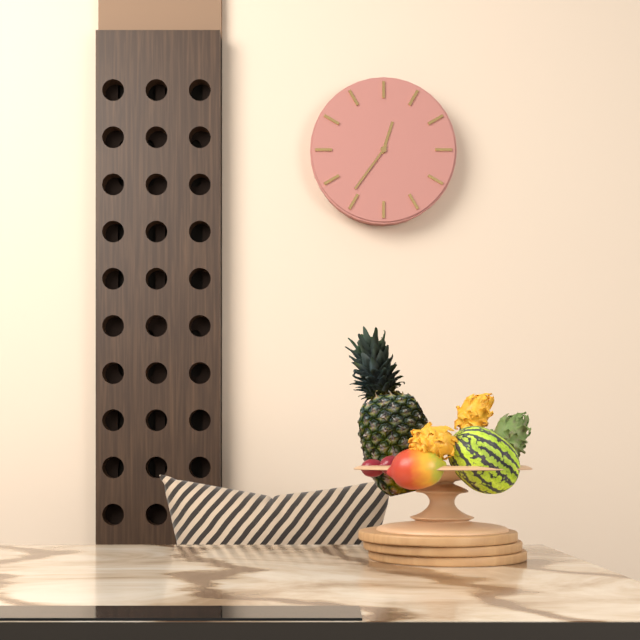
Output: 12h36
